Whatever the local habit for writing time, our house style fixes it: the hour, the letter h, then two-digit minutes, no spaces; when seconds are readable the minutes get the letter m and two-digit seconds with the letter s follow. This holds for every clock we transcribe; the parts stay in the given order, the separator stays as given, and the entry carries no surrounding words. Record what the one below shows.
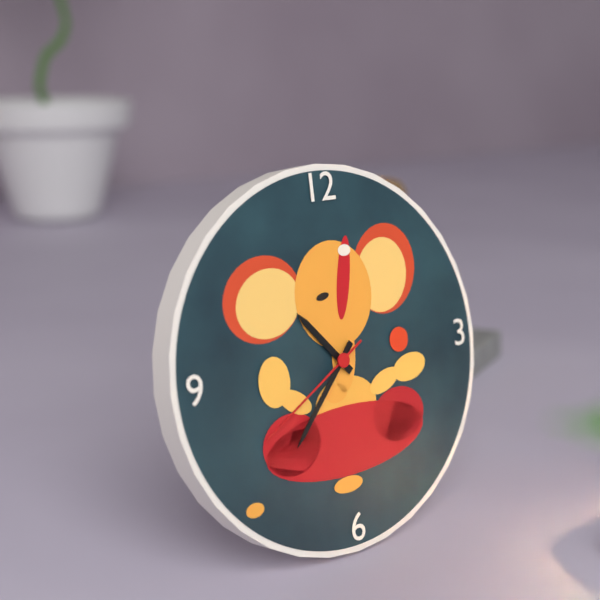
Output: 10h37m40s
